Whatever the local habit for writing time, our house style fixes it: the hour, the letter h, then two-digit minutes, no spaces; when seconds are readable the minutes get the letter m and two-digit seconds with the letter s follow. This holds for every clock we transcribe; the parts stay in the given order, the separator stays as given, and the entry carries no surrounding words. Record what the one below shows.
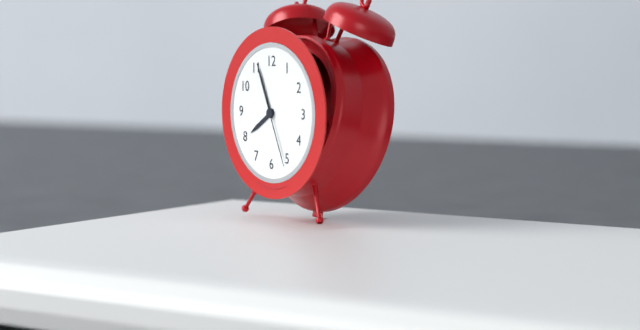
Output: 7h56m26s
